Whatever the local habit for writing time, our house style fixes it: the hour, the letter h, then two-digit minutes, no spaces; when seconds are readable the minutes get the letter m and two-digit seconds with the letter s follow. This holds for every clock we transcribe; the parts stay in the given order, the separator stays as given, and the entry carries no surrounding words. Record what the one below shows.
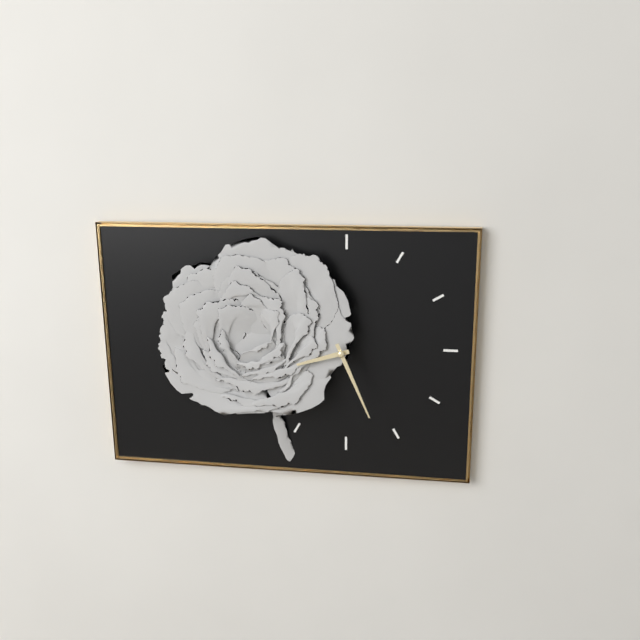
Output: 8h26
